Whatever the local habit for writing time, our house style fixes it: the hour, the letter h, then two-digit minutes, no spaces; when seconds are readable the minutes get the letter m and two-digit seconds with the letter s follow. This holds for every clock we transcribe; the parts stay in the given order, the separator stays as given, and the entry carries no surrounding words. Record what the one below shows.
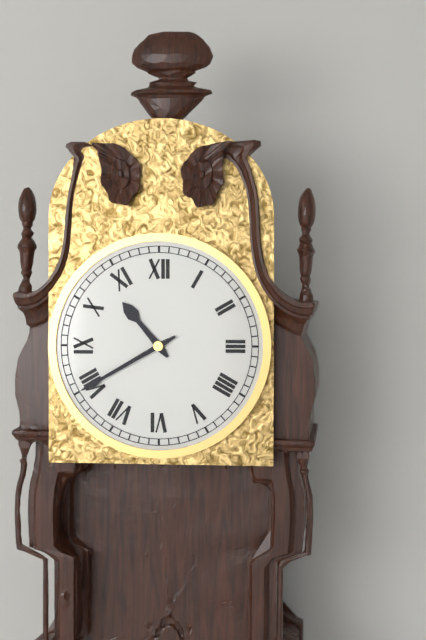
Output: 10h40
